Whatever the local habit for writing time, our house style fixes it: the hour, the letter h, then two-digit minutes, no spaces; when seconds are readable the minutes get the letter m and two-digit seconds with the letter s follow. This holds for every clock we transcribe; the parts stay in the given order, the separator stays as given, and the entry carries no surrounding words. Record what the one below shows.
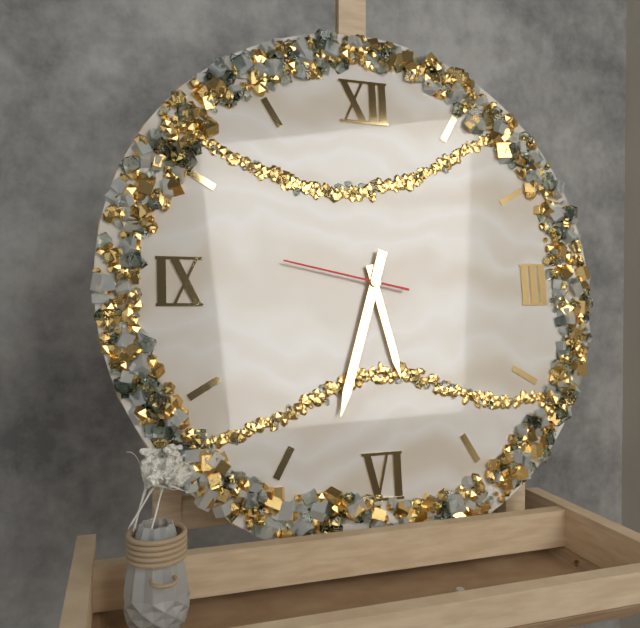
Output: 5h33m47s
